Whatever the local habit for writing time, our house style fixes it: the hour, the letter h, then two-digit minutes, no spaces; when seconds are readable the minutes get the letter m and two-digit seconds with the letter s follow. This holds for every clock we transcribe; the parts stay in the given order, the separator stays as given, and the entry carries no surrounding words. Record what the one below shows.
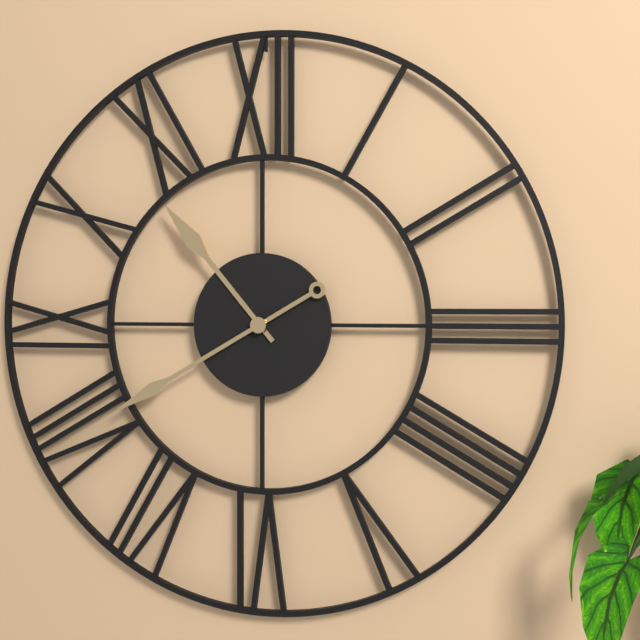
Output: 10h40
